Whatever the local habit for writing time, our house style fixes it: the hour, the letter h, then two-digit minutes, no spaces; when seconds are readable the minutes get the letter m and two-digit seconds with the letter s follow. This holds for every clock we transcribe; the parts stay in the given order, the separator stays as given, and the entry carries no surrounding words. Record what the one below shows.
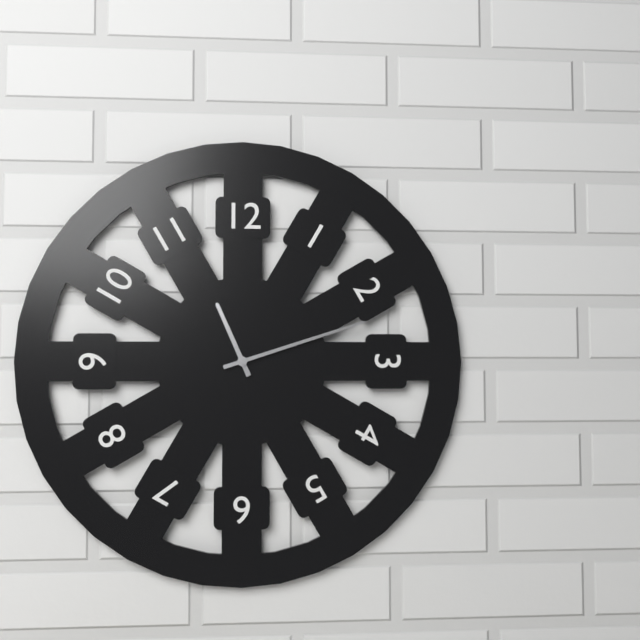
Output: 11h12
